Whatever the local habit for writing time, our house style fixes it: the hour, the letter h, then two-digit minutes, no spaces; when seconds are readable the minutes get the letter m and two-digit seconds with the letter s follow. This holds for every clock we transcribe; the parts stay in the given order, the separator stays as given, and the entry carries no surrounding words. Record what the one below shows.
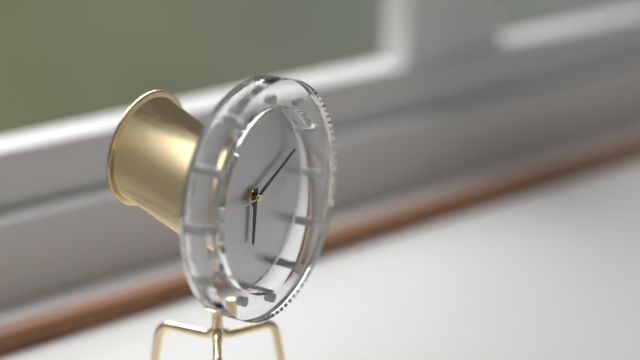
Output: 6h11m45s
